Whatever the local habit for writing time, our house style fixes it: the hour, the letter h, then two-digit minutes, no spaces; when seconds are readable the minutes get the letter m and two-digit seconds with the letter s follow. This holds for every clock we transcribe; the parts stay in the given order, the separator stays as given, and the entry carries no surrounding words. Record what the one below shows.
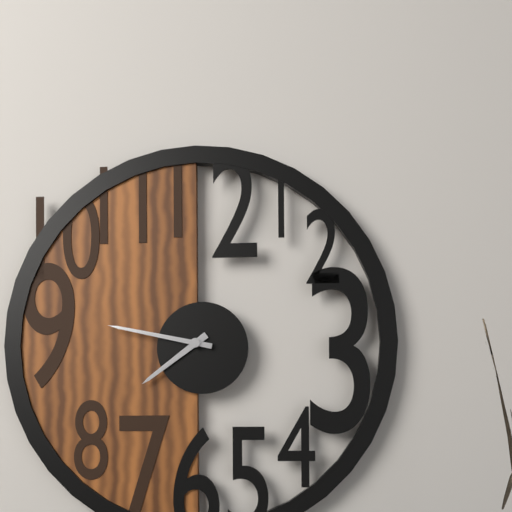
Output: 7h47
